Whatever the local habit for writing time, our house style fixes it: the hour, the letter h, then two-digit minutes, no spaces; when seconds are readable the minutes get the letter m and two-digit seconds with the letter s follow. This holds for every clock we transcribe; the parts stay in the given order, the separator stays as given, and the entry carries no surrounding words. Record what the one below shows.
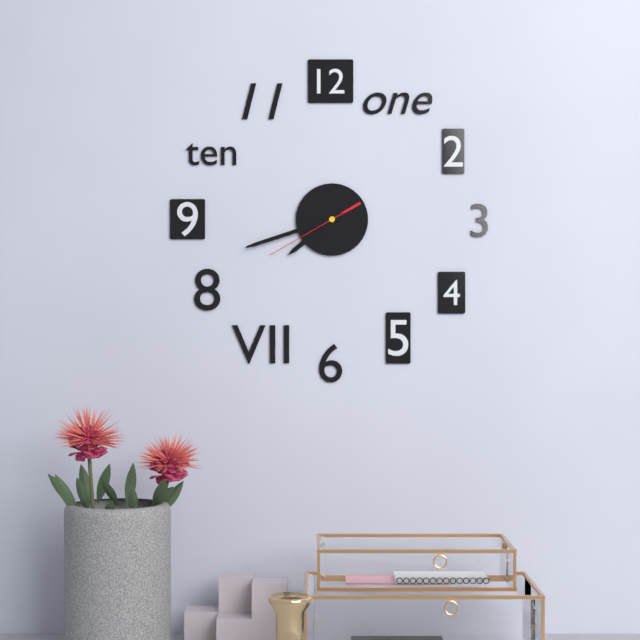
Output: 7h42m40s
